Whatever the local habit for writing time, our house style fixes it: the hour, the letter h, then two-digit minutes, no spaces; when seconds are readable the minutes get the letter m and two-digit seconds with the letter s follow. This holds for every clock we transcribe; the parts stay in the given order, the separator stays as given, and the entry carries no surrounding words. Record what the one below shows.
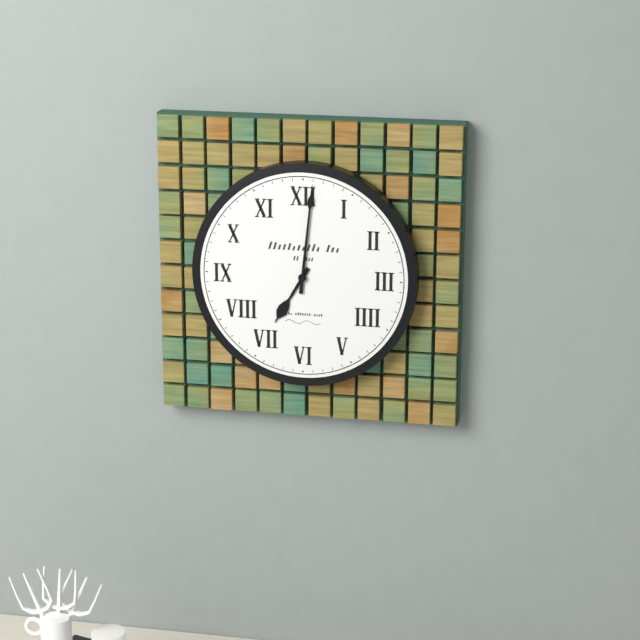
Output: 7h01
